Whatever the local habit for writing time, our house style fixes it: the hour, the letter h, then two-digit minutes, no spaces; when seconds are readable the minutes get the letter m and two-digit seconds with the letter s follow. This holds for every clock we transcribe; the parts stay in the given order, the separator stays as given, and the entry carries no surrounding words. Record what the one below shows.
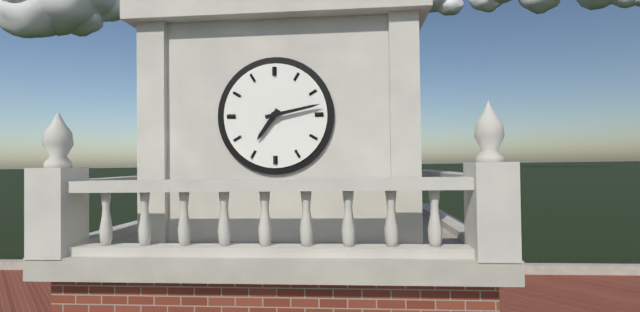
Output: 7h13
